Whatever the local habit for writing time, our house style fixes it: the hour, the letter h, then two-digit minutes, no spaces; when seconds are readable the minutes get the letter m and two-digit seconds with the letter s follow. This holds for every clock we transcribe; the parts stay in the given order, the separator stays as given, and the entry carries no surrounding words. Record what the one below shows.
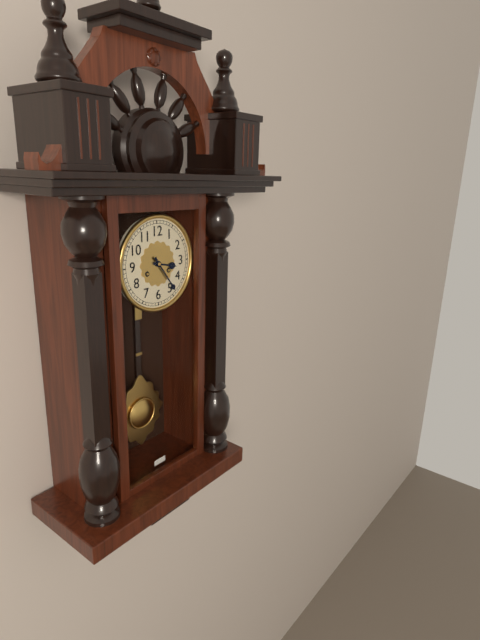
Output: 3h24
